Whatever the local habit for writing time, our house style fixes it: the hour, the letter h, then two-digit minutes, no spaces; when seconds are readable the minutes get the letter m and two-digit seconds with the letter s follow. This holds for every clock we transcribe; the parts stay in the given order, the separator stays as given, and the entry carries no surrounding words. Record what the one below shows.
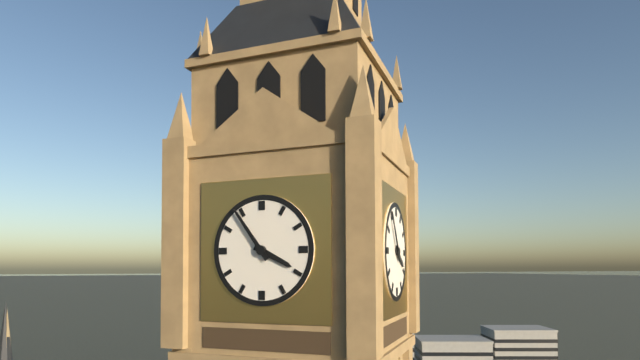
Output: 3h54
